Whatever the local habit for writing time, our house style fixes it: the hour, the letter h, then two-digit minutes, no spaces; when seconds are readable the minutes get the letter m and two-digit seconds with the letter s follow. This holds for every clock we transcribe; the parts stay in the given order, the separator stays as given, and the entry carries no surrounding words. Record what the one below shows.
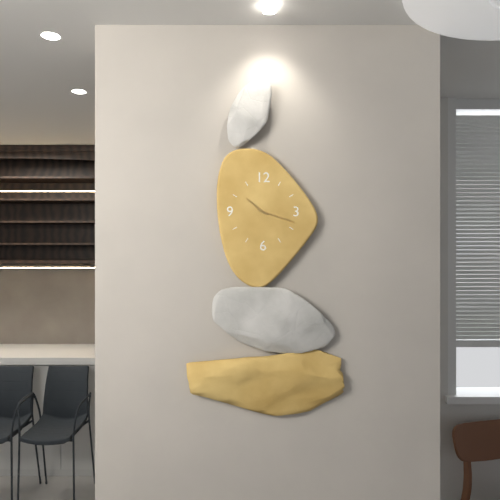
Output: 10h18
